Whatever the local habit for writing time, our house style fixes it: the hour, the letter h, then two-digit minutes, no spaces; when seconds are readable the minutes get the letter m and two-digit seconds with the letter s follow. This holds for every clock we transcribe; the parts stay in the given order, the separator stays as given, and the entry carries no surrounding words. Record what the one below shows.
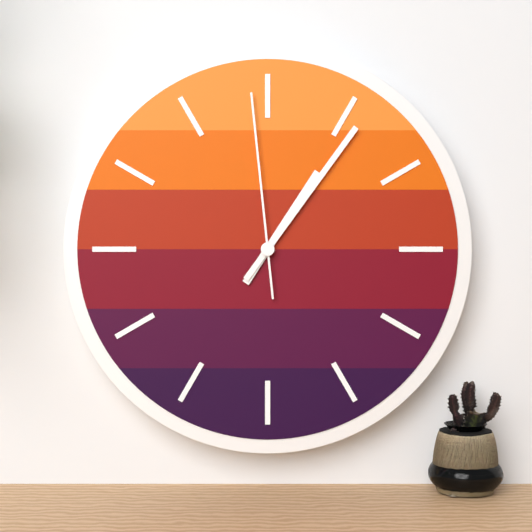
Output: 1h06m59s
